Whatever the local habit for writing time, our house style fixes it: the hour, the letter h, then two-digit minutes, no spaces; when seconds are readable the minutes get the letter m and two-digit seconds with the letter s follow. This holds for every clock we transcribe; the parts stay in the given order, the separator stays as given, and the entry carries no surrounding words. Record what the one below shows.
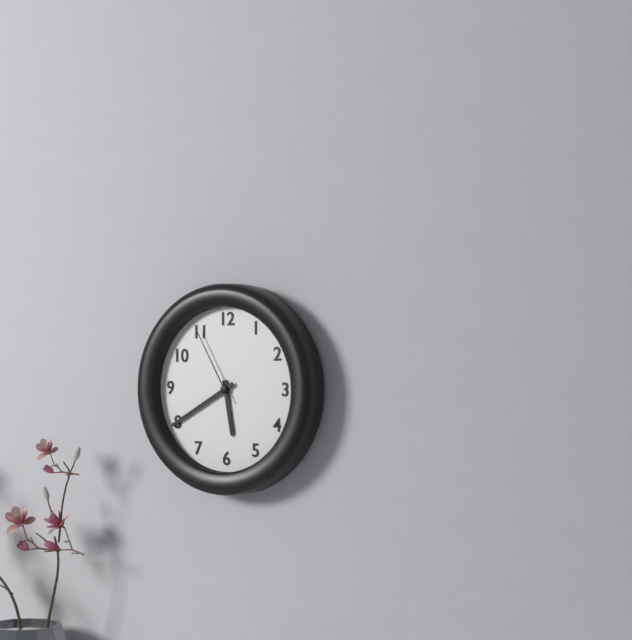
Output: 5h40m55s
